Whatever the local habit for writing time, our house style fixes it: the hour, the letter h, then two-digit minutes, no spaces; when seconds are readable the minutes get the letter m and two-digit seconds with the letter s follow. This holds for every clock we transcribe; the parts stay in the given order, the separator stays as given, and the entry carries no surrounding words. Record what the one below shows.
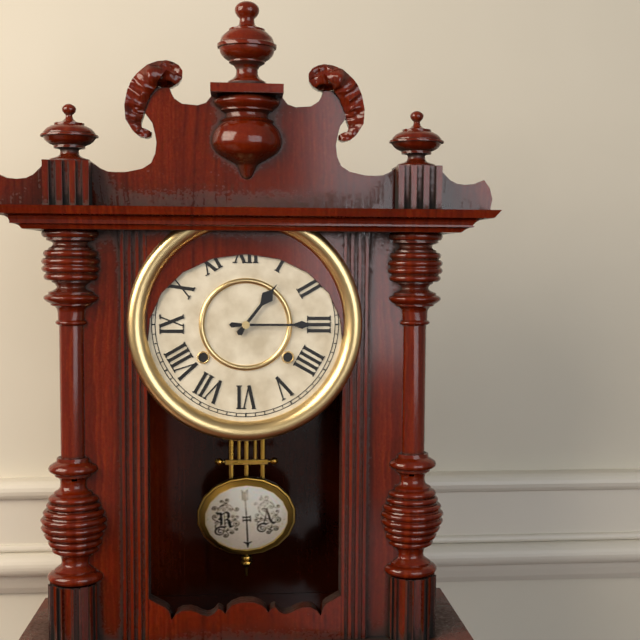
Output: 1h15
